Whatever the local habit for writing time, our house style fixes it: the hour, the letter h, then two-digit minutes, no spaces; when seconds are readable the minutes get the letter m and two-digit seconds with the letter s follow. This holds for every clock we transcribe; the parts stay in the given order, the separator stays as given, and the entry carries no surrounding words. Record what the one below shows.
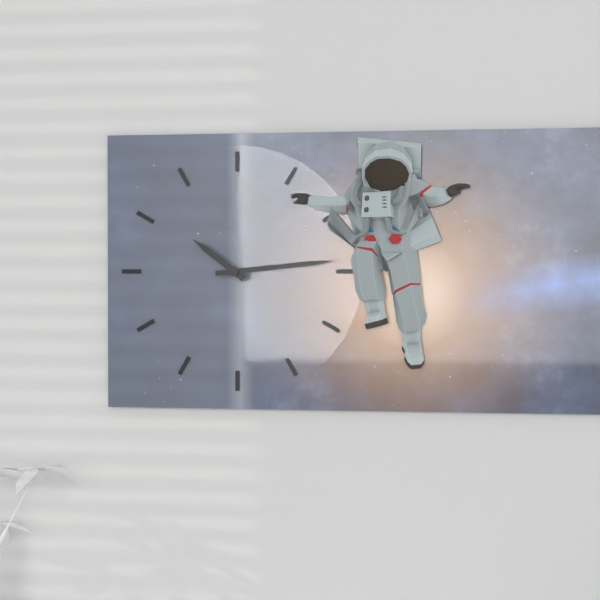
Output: 10h14
